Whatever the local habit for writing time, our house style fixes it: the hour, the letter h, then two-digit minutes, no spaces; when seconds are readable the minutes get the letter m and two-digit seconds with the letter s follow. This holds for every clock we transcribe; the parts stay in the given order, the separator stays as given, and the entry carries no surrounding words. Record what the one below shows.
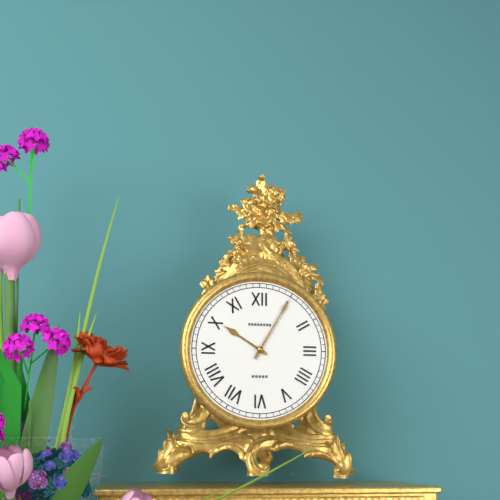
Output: 10h05
